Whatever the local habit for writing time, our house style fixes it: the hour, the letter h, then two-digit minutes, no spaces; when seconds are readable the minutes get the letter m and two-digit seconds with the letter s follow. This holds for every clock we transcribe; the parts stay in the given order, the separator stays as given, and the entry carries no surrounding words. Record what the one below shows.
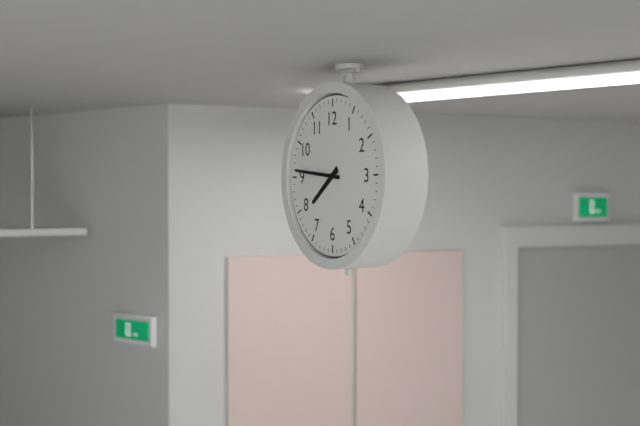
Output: 7h46
